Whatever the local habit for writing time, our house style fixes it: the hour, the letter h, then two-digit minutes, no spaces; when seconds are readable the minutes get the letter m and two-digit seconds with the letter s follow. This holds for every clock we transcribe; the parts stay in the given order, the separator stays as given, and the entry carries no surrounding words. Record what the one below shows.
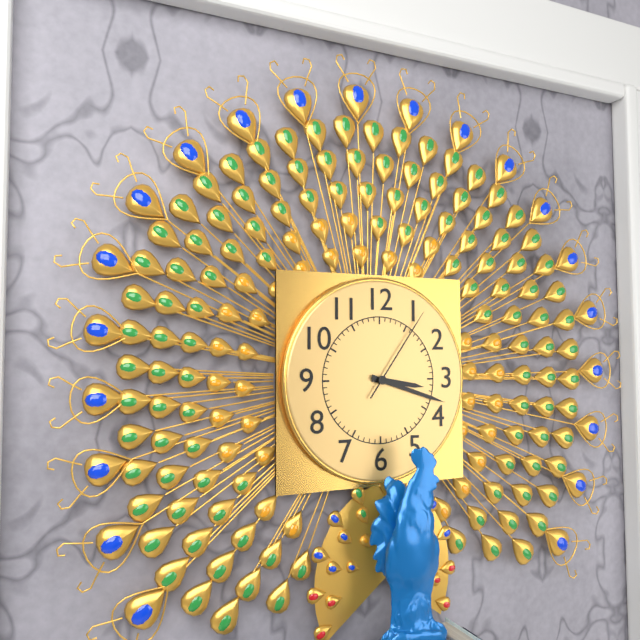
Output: 3h18m06s
